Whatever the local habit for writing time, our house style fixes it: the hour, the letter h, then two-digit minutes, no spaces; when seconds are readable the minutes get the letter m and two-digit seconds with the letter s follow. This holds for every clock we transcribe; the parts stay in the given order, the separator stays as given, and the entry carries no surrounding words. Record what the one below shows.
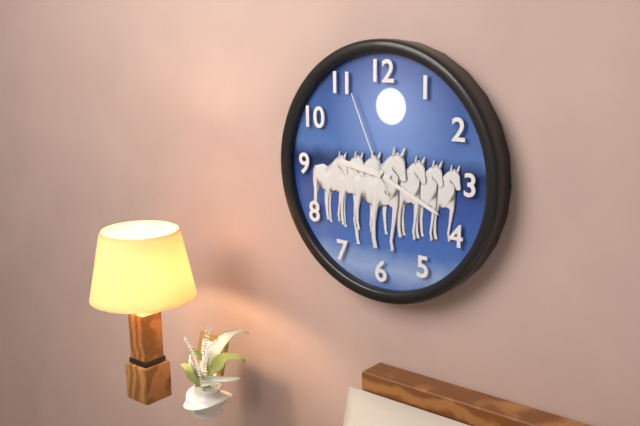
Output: 9h19m56s
